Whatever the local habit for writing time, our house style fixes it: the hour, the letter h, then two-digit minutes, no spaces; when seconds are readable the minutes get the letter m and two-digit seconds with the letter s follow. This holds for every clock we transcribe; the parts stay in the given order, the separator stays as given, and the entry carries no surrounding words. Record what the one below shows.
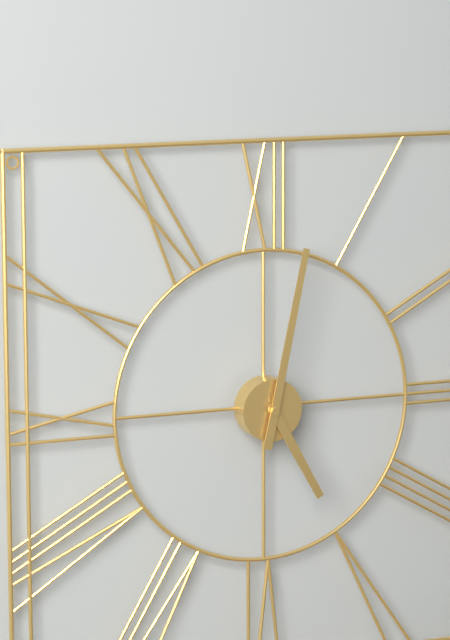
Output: 5h02
